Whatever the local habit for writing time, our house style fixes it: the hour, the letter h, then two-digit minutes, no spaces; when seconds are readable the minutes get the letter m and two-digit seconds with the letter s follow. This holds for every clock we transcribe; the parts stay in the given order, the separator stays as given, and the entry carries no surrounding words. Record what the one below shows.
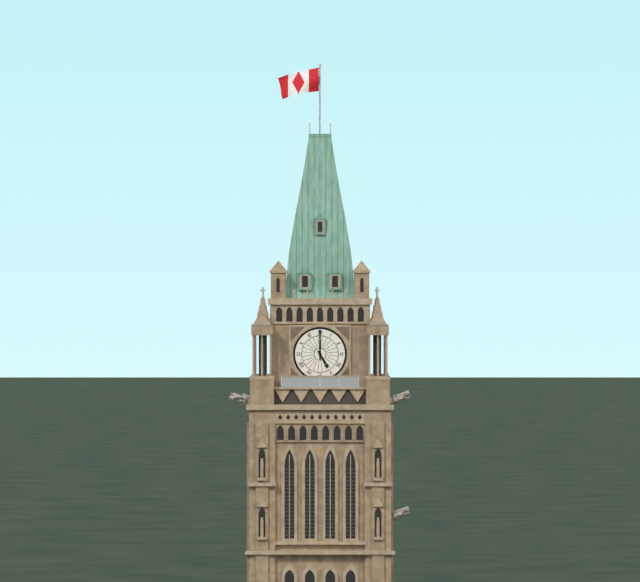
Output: 5h00
